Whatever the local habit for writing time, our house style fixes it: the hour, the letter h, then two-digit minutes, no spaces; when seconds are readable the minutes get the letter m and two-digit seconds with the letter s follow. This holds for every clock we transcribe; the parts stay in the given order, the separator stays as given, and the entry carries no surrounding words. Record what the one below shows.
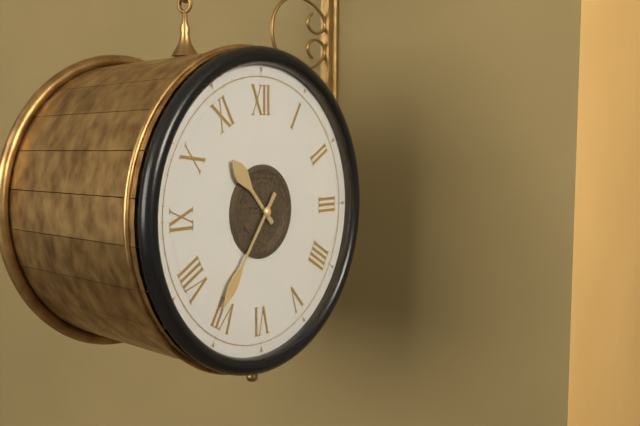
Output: 10h36
